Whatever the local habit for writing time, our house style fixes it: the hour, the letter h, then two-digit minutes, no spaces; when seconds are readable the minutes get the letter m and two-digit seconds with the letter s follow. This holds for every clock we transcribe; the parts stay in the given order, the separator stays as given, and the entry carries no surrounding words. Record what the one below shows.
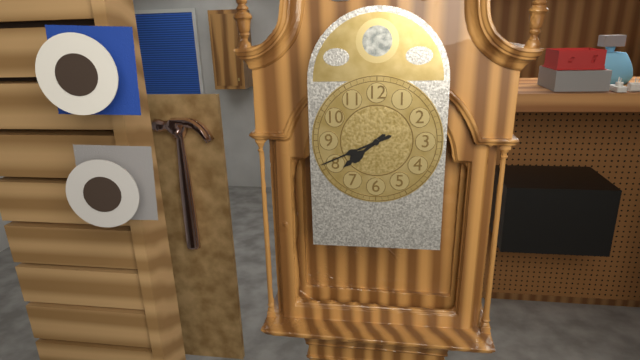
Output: 7h41
